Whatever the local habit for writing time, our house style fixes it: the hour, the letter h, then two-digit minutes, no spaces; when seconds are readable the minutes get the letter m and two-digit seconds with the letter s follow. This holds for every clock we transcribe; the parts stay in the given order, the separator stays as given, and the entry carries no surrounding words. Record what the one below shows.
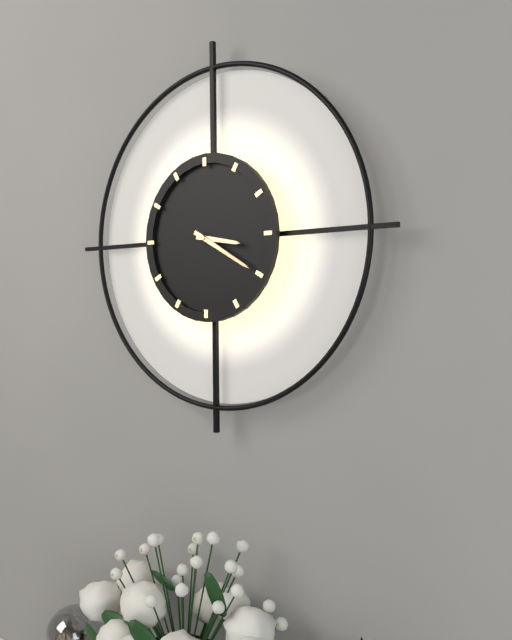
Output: 3h20
